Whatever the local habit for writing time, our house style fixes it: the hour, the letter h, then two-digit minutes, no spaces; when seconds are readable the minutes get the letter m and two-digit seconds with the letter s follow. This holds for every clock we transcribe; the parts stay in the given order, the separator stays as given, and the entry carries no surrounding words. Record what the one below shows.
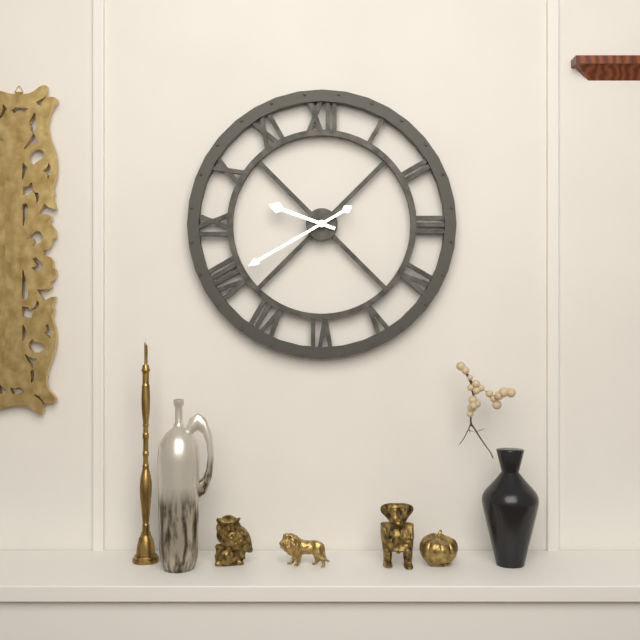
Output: 9h40
